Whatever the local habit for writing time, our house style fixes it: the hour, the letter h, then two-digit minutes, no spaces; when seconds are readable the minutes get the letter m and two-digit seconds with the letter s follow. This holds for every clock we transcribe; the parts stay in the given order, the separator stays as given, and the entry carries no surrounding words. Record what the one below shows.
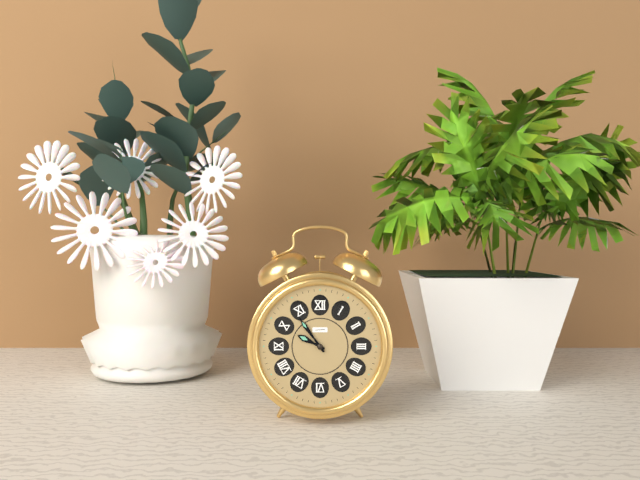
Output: 9h54
